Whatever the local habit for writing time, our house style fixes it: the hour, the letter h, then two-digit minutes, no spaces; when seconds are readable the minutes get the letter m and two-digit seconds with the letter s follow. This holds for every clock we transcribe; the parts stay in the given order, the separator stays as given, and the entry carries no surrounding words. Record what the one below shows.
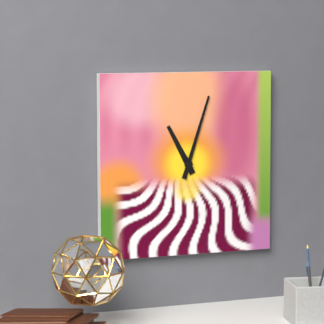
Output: 11h03
